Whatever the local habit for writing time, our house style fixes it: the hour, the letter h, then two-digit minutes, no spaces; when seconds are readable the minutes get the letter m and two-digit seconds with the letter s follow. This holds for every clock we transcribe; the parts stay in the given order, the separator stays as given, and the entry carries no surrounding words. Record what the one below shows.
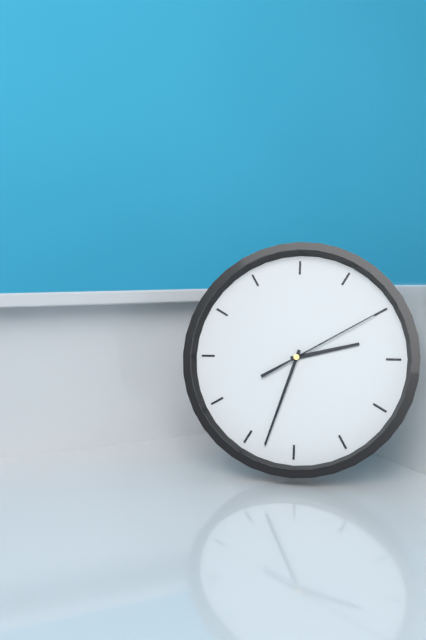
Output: 2h33m10s
